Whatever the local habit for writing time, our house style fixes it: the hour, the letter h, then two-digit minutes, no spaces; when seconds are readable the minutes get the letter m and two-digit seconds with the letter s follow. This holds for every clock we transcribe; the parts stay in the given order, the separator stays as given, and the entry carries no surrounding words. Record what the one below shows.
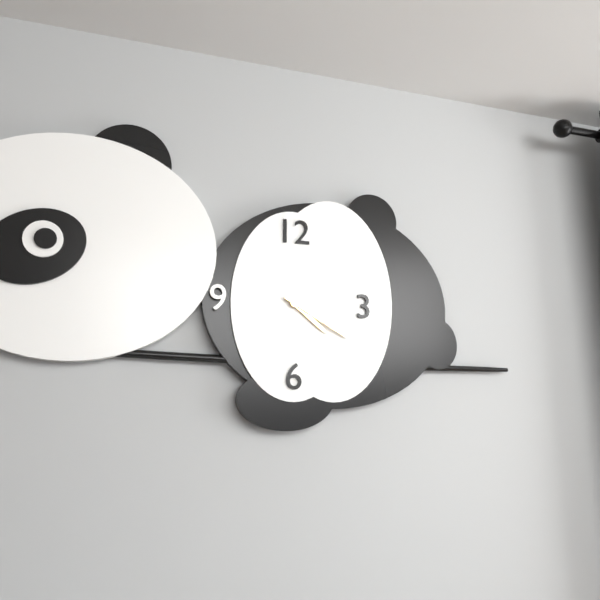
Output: 4h20
